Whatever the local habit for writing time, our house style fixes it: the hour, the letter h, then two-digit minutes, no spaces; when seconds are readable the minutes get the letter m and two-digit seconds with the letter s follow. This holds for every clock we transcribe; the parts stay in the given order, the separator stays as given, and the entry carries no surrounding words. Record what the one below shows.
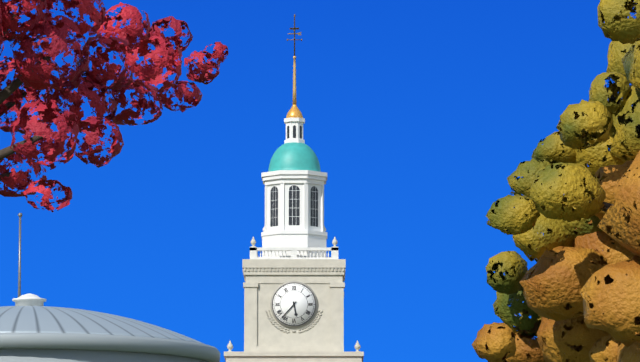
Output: 5h37
